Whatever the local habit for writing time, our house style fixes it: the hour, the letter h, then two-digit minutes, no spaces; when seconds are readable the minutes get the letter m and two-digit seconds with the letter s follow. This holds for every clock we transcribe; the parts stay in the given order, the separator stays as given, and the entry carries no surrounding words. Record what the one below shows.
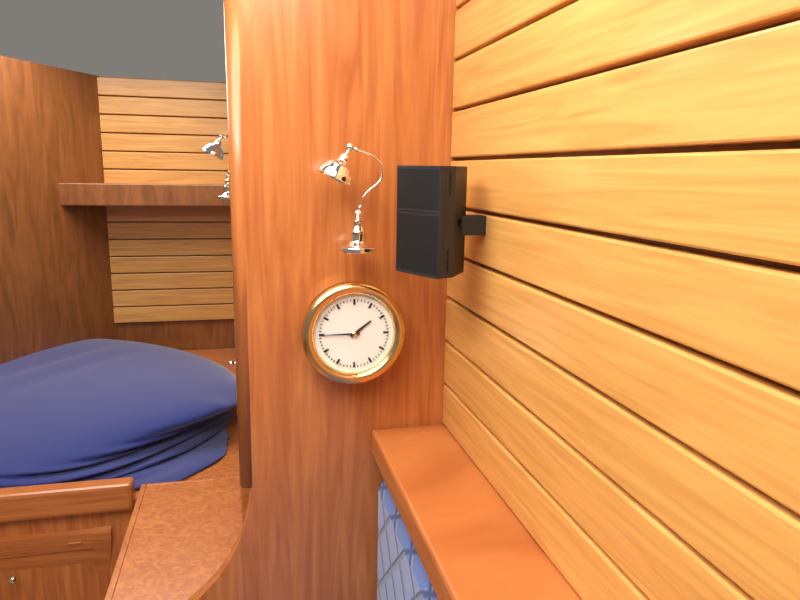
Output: 1h45
